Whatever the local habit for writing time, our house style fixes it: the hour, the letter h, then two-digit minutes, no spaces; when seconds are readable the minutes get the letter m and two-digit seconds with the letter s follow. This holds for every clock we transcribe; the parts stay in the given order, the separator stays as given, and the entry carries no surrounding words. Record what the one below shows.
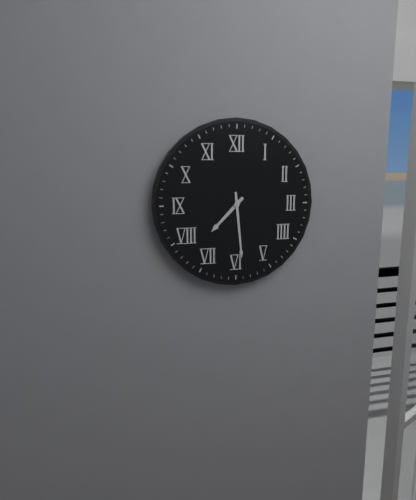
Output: 7h29
